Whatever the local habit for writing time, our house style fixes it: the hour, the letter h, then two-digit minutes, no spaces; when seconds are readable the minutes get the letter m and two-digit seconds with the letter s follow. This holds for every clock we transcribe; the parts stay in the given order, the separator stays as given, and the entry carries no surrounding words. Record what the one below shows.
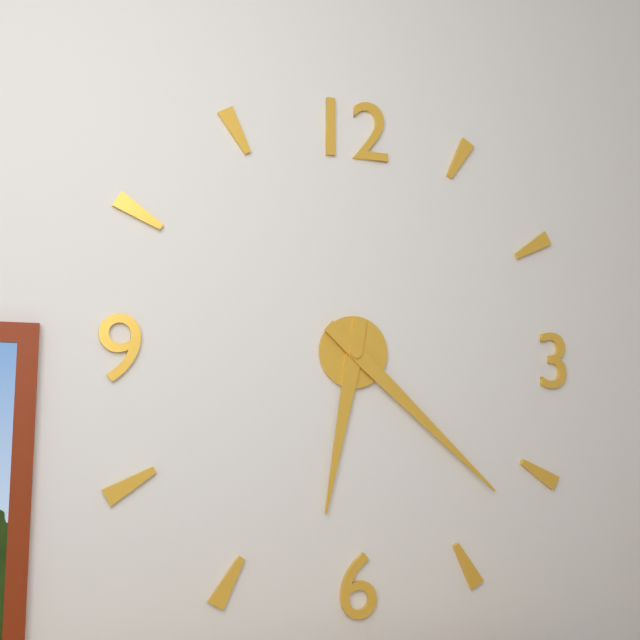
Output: 6h22
